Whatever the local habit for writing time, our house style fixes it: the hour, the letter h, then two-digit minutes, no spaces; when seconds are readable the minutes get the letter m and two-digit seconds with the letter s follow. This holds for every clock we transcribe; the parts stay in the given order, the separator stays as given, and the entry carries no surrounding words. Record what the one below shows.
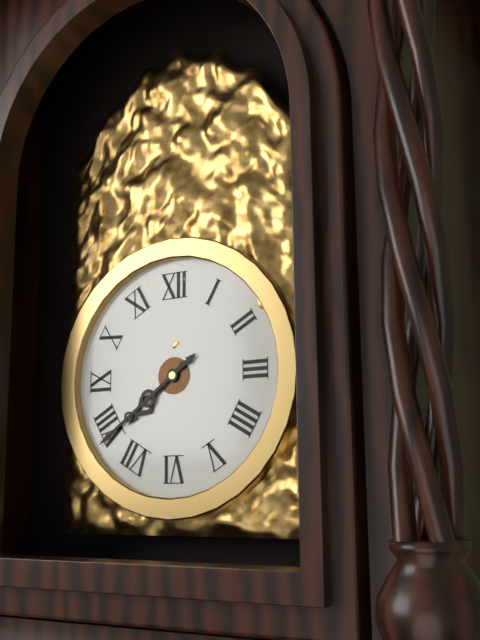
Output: 7h39
